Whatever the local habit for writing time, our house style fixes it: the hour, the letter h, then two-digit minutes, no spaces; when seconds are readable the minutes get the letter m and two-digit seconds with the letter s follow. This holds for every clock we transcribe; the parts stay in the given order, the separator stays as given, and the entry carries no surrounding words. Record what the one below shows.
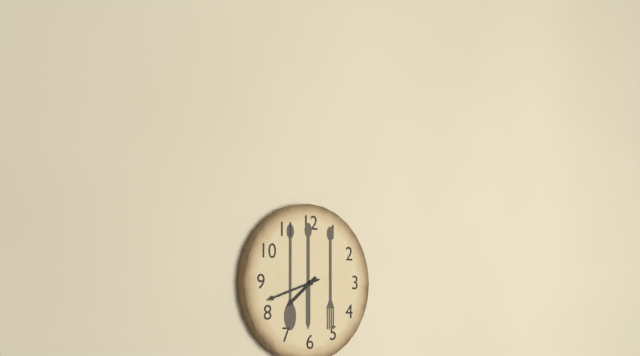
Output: 7h42
